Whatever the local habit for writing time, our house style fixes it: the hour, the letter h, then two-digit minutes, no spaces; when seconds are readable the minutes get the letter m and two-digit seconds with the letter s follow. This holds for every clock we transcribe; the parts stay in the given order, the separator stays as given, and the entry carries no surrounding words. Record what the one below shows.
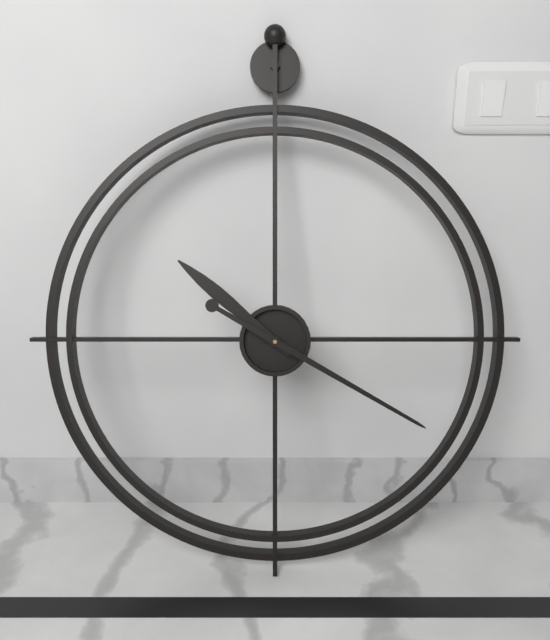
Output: 10h20
